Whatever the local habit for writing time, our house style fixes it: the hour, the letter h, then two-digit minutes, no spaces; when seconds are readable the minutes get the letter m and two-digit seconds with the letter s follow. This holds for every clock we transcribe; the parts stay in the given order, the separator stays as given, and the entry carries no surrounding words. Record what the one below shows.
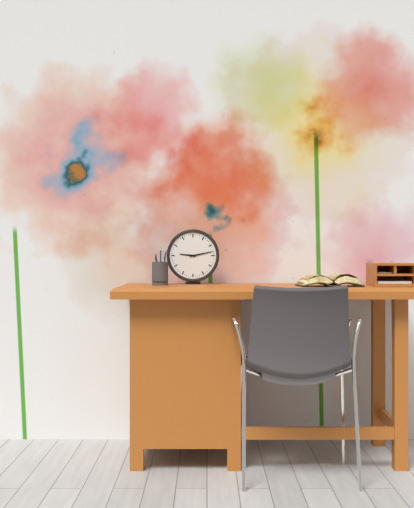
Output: 9h13
